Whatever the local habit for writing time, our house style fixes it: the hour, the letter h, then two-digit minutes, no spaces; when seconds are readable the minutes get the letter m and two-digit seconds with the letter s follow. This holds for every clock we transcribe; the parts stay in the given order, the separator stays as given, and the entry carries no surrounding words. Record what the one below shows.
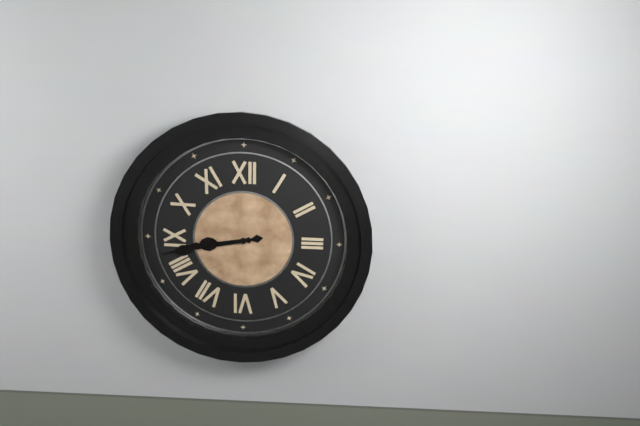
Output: 8h43
